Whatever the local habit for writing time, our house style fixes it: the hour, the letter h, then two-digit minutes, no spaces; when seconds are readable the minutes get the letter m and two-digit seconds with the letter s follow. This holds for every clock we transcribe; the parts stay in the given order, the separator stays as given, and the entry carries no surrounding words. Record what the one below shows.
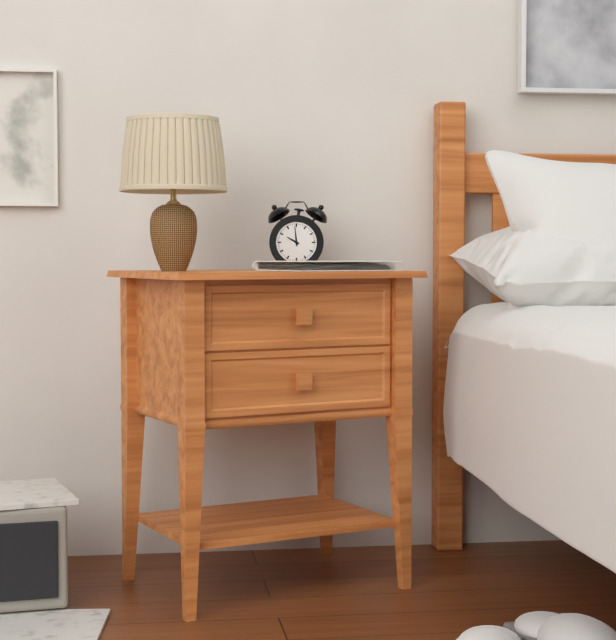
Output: 9h59
